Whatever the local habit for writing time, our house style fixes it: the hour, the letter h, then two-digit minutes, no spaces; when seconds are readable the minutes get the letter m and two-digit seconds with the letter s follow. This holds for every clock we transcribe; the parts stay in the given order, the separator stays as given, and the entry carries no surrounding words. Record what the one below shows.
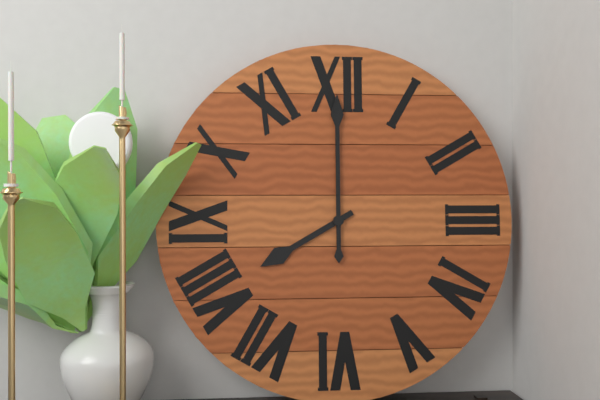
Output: 8h00
